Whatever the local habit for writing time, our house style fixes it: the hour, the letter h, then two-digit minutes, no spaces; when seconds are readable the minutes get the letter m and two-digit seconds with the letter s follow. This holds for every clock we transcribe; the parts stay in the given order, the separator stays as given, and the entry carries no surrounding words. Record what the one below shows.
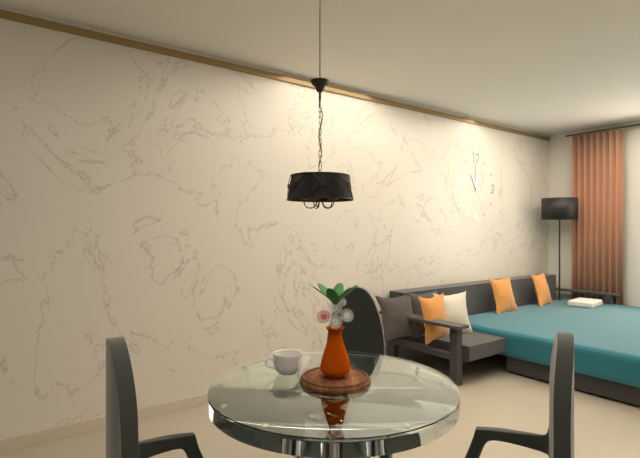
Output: 11h00
